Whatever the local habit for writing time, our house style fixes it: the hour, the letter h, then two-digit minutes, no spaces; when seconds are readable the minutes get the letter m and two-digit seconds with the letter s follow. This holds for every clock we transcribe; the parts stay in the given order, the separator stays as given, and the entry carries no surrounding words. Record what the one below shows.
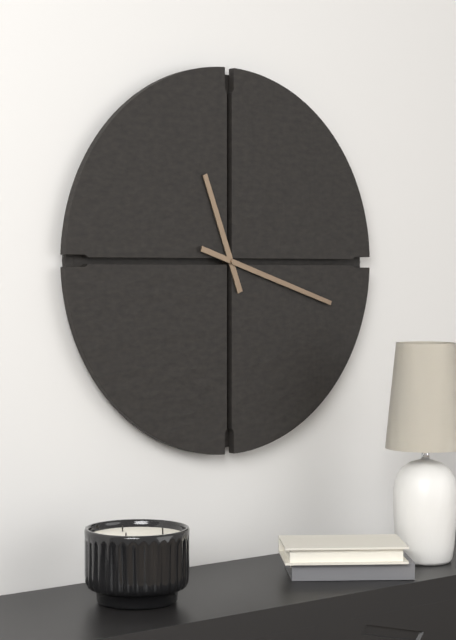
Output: 11h18
